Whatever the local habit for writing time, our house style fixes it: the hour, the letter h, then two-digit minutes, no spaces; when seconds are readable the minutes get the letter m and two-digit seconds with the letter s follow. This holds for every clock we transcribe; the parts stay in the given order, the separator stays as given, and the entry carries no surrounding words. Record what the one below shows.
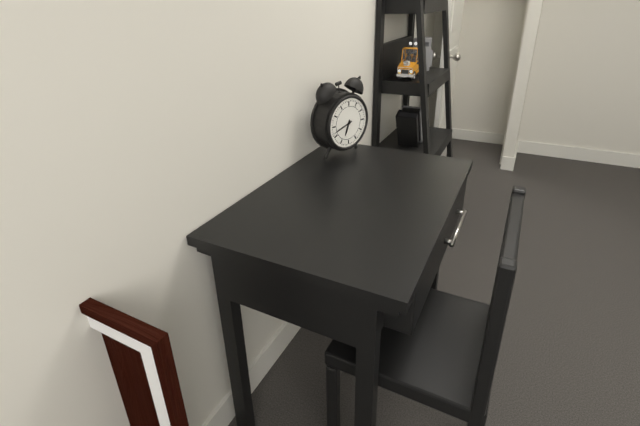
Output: 6h42
